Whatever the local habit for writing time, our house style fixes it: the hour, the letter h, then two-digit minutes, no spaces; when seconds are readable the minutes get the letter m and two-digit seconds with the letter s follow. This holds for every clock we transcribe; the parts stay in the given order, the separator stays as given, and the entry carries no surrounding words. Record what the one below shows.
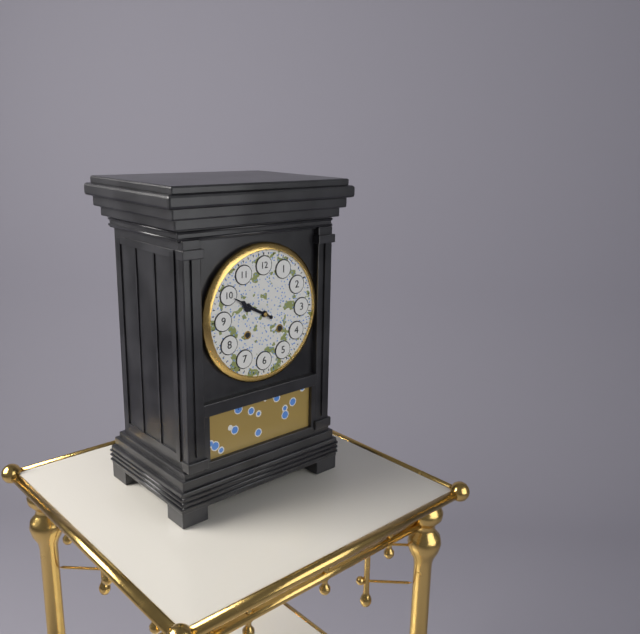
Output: 9h50
